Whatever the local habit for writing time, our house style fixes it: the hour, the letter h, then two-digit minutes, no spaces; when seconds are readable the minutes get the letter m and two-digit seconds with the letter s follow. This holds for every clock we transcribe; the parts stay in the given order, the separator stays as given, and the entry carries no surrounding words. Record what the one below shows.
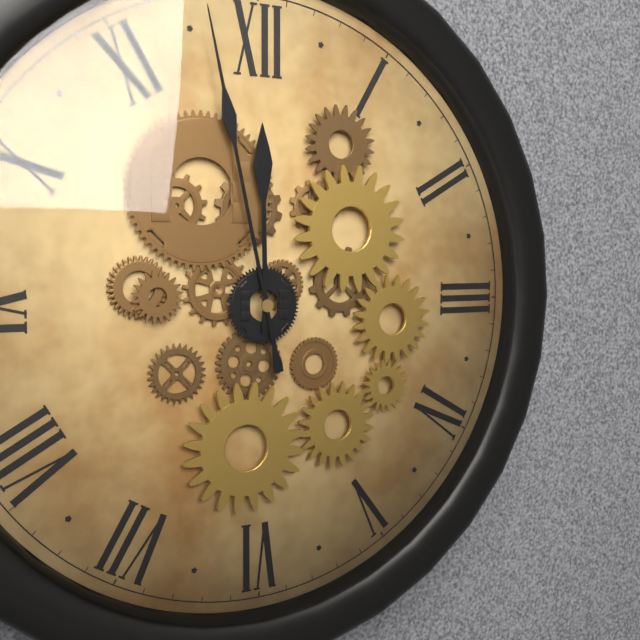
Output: 11h58
